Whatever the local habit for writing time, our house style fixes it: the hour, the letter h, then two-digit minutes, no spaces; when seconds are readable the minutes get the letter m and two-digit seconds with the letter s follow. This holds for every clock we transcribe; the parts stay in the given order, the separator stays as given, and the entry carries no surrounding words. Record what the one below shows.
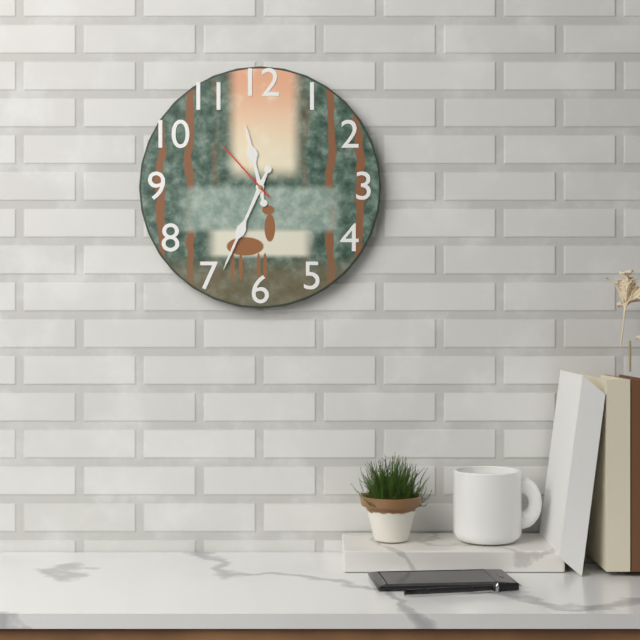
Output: 11h34m53s
